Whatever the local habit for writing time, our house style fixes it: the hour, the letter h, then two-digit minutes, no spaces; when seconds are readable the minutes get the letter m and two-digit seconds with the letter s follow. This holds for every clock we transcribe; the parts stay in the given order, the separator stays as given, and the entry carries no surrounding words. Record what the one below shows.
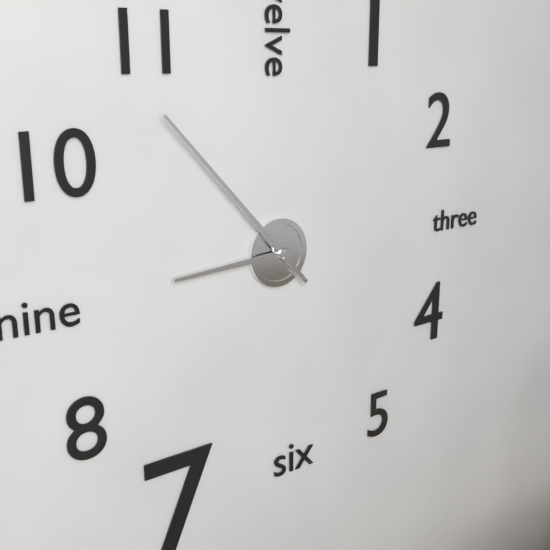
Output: 8h53
